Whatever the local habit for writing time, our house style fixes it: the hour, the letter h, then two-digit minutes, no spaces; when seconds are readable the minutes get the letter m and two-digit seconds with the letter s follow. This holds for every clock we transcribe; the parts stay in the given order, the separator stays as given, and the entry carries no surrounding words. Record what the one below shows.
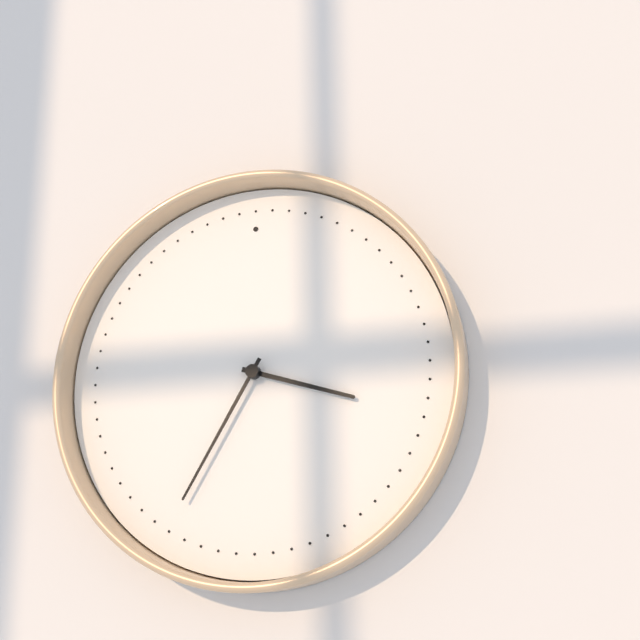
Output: 3h35
